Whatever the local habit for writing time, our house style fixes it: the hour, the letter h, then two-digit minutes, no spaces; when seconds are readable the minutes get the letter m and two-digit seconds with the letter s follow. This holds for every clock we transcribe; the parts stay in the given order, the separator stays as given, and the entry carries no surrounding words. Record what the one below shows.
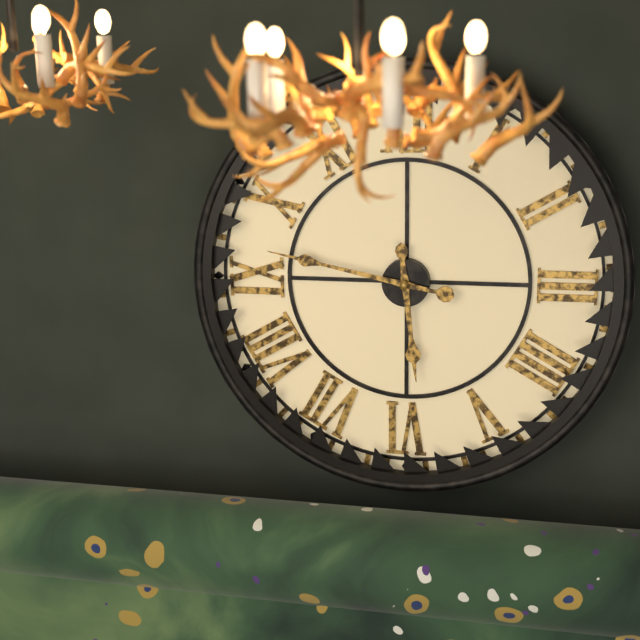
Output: 5h47
